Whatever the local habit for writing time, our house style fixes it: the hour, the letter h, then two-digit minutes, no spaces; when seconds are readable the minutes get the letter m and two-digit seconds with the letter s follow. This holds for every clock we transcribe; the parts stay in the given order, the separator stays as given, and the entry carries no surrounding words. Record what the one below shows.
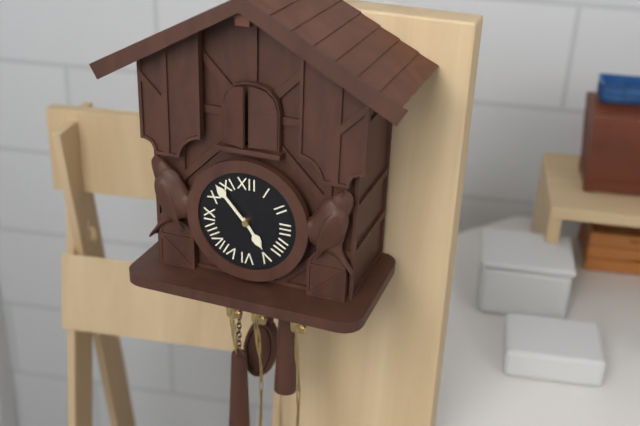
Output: 4h53
